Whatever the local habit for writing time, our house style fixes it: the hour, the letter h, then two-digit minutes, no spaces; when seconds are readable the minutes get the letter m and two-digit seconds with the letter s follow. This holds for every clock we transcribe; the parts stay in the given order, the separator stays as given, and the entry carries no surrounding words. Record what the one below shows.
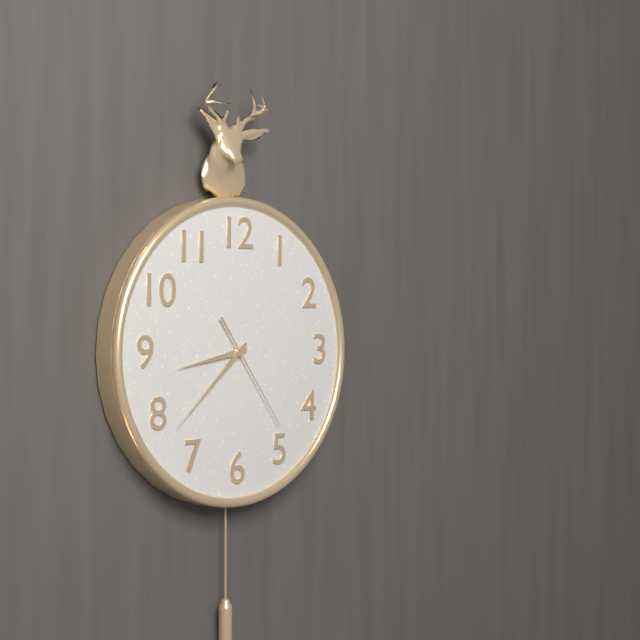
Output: 8h38m24s
